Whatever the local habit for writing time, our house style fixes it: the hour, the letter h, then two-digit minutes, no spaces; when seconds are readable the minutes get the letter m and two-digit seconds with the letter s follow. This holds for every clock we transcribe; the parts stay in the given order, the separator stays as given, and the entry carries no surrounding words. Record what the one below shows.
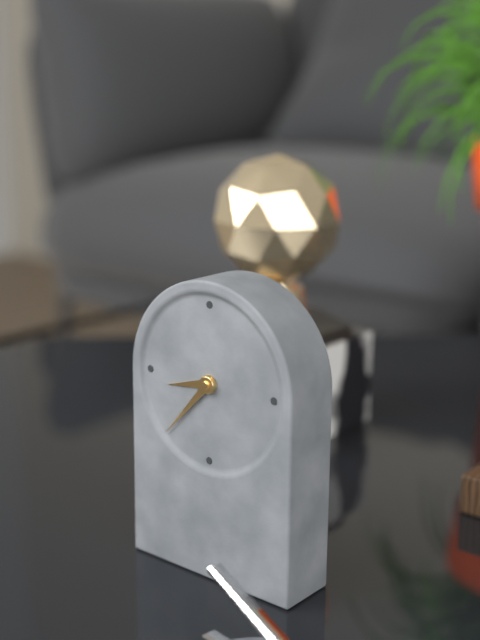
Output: 8h37
